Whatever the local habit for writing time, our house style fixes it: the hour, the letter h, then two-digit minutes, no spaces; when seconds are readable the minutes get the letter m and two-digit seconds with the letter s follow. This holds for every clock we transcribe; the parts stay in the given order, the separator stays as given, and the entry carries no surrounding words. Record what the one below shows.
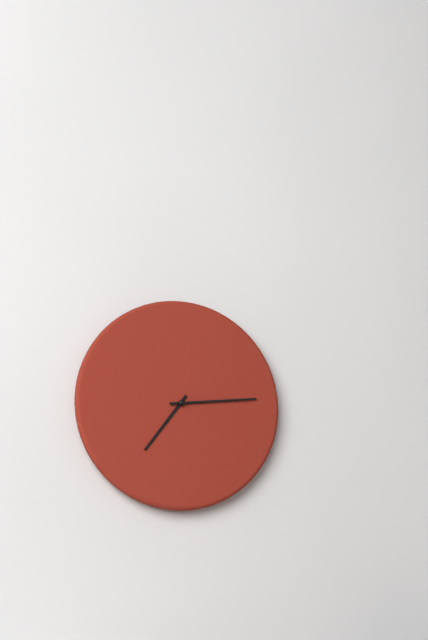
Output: 7h14
